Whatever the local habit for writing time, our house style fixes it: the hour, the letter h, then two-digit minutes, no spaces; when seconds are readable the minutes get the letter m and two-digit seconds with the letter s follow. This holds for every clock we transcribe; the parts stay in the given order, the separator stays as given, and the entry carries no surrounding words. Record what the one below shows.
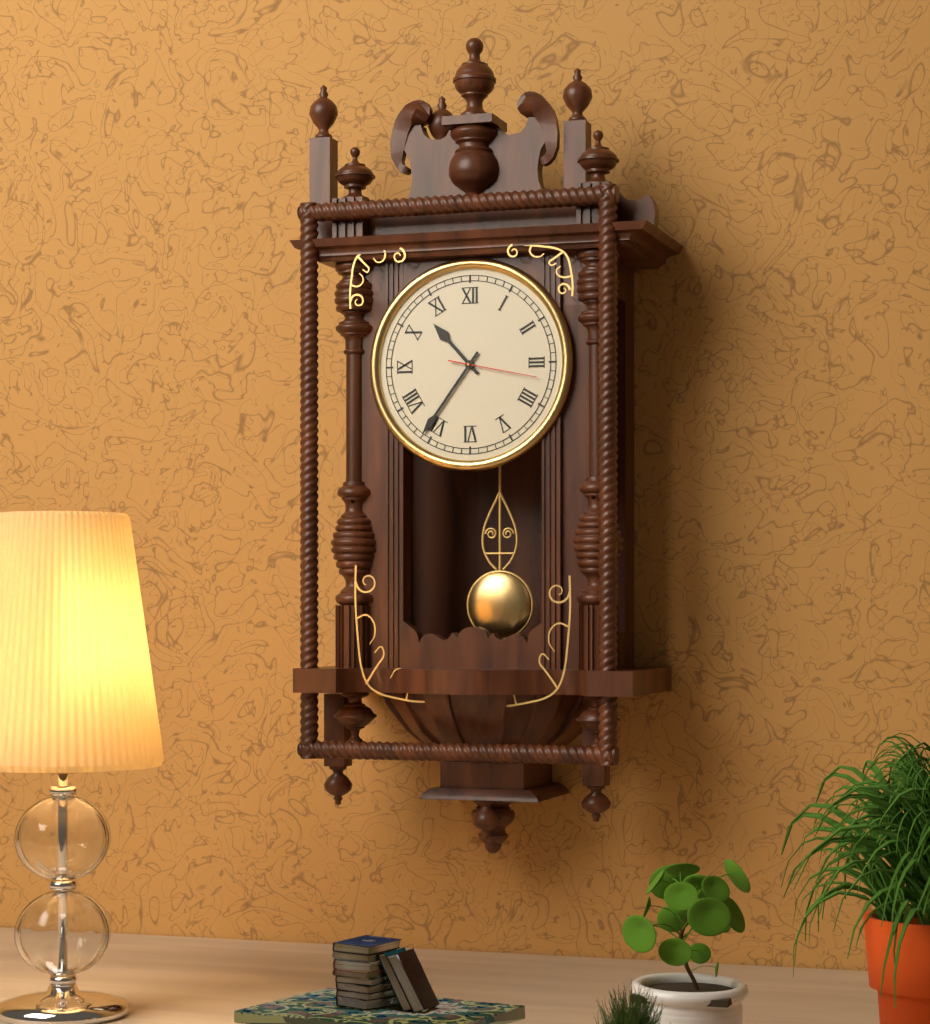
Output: 10h36m17s
